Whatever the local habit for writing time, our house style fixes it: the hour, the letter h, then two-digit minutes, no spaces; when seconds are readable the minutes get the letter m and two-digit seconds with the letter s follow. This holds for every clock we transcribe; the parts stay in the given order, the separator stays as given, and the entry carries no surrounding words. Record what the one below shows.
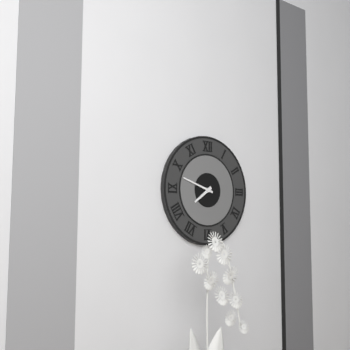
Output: 7h48
